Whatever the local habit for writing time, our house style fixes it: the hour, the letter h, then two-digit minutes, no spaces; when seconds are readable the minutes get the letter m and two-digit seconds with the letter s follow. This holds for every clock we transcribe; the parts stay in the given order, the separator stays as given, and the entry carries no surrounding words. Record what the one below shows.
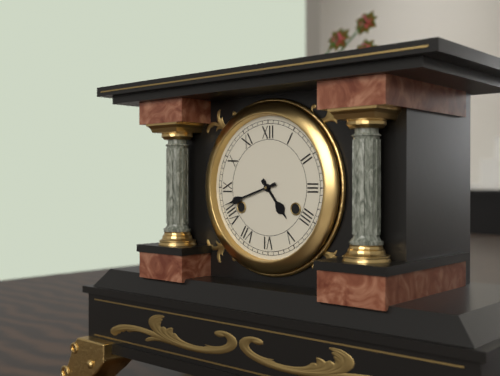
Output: 4h42
